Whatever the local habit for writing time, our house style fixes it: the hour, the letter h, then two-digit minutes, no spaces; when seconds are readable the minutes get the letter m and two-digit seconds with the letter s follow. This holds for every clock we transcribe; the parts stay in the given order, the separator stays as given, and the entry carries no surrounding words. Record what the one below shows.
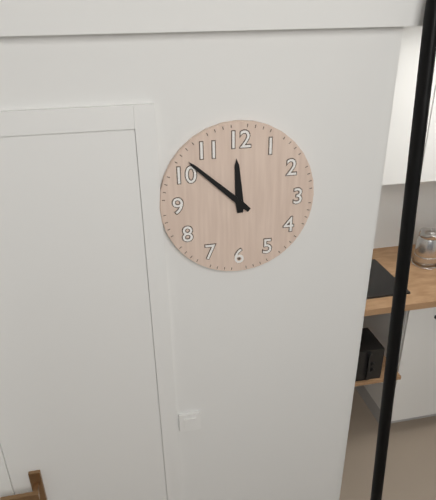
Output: 11h52
